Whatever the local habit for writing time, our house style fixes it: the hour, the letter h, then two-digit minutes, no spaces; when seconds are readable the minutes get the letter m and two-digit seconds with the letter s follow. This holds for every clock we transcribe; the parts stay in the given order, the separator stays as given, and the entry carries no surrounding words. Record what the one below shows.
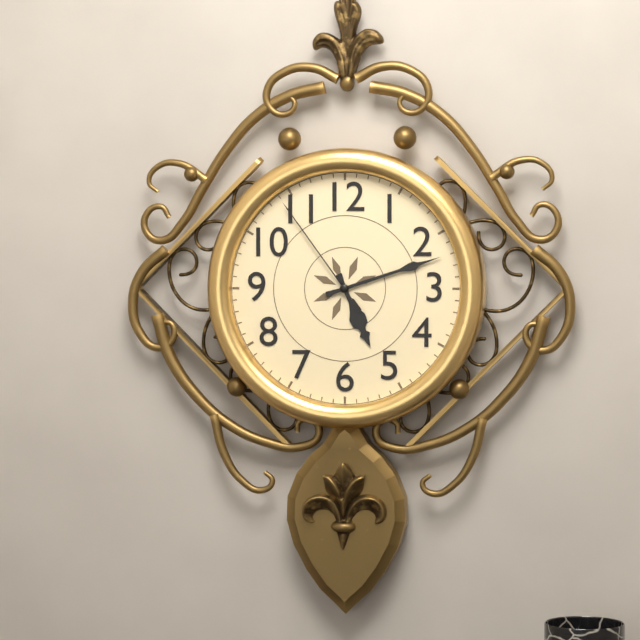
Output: 5h12m54s
